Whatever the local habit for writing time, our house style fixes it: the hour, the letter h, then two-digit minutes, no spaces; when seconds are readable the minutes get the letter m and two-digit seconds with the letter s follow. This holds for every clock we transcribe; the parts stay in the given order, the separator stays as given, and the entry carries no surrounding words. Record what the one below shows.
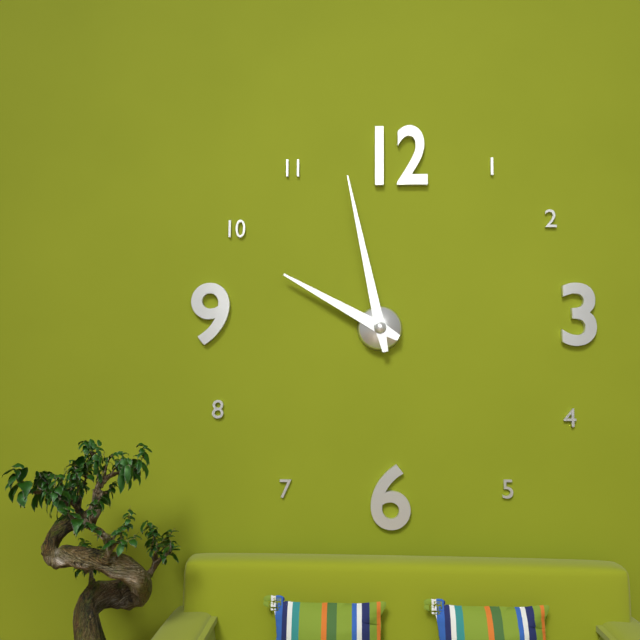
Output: 9h58
